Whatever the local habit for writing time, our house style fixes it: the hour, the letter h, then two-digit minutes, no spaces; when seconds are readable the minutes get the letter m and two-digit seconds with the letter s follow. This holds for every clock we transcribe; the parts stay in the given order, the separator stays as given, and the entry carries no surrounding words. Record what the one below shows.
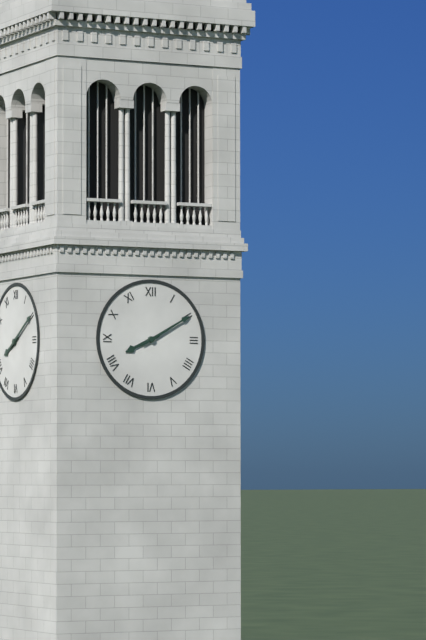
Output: 8h10
